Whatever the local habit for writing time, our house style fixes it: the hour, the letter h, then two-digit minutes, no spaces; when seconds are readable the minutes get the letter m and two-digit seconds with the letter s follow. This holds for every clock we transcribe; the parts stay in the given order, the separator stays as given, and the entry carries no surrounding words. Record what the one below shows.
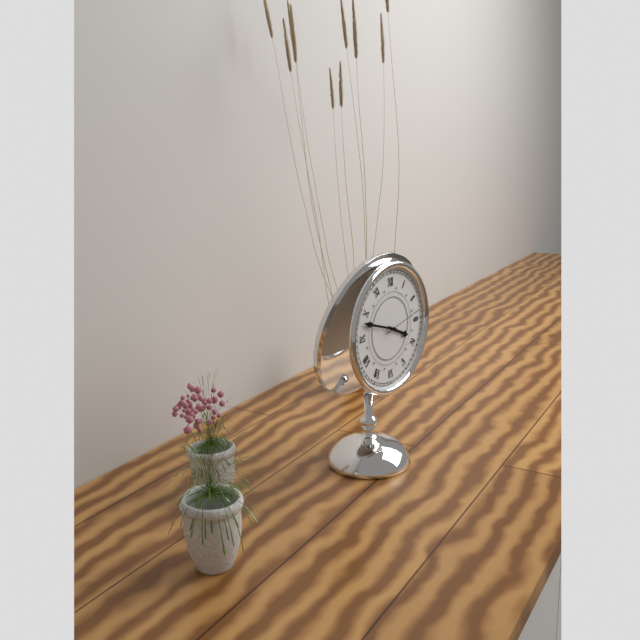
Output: 3h48
